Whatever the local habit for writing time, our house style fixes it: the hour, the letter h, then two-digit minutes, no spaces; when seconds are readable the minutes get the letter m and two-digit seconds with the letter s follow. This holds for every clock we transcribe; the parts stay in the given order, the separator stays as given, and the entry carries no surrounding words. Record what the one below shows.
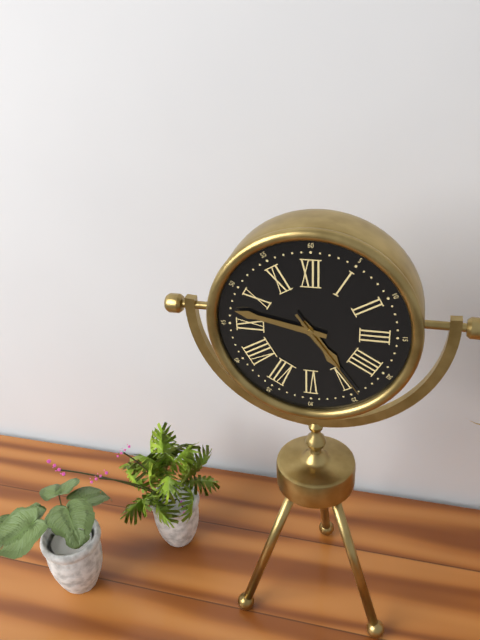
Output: 4h47m24s
